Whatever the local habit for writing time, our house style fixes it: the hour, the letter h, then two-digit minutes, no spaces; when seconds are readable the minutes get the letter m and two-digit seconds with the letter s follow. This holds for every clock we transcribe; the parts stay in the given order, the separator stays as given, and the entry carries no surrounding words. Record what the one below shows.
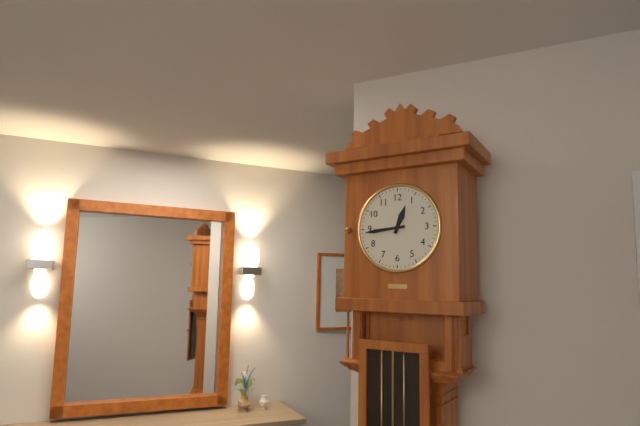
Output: 12h44
